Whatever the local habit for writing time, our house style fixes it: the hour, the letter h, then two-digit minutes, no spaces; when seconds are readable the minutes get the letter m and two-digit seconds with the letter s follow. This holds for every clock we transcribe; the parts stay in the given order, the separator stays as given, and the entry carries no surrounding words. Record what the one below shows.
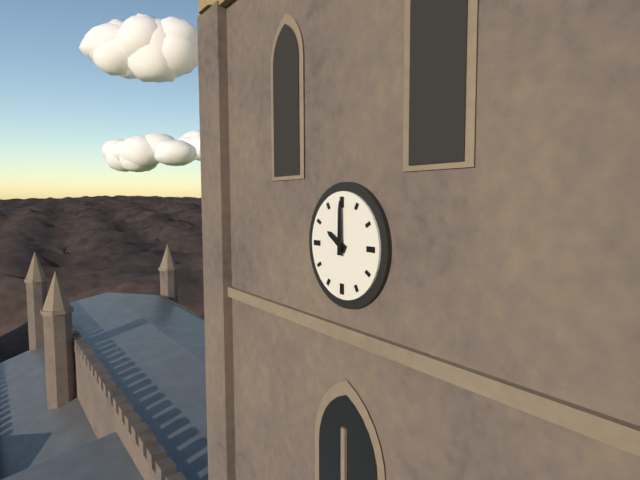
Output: 10h00
